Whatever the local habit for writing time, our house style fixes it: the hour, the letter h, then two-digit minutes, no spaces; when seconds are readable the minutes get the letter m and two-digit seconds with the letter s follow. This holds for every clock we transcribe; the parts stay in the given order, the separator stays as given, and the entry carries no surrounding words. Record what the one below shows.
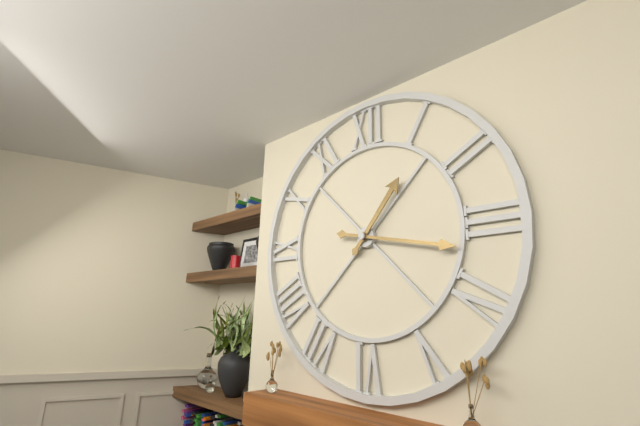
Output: 1h17
